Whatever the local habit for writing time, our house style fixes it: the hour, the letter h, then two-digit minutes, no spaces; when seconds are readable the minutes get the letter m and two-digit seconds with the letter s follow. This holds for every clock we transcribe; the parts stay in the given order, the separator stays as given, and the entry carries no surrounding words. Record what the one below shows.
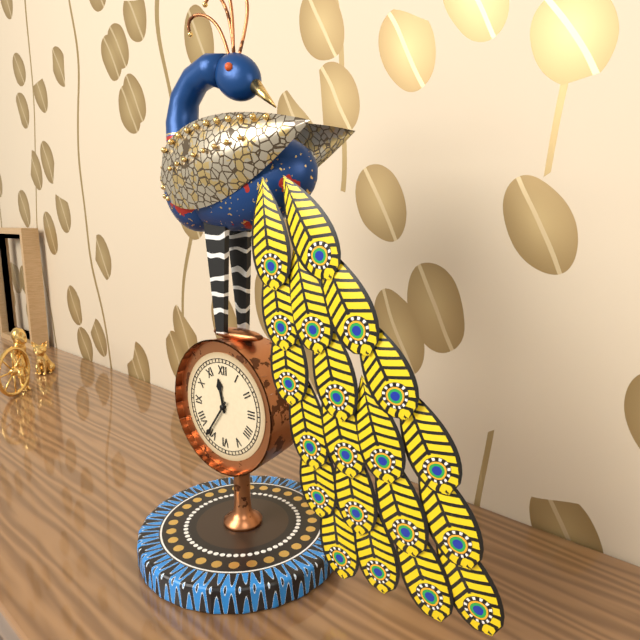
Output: 11h36
